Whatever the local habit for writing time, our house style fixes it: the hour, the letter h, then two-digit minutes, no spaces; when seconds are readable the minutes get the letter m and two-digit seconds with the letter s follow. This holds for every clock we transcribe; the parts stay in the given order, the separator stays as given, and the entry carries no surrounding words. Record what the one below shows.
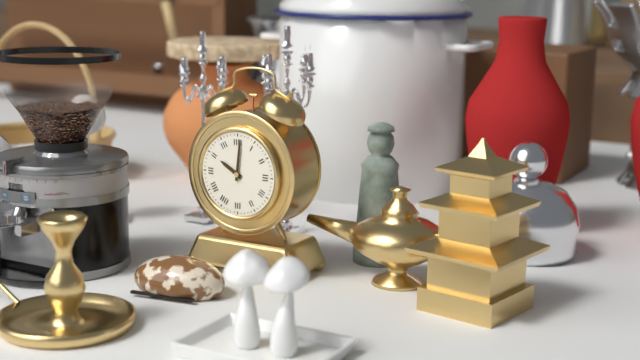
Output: 10h01
